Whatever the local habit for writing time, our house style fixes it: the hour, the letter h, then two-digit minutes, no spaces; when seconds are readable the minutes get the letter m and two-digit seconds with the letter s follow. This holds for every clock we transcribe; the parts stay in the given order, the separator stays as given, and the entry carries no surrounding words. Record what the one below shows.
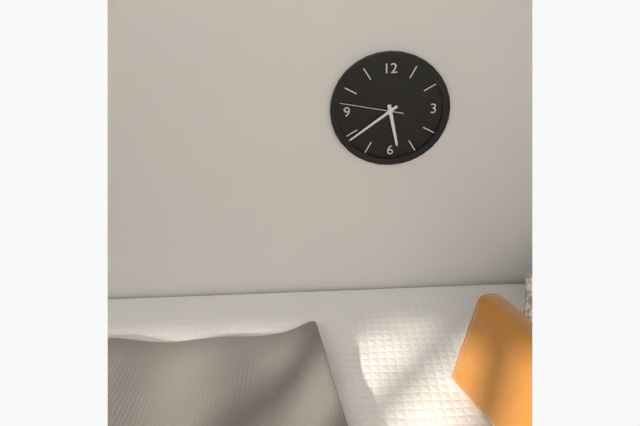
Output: 5h39m47s
